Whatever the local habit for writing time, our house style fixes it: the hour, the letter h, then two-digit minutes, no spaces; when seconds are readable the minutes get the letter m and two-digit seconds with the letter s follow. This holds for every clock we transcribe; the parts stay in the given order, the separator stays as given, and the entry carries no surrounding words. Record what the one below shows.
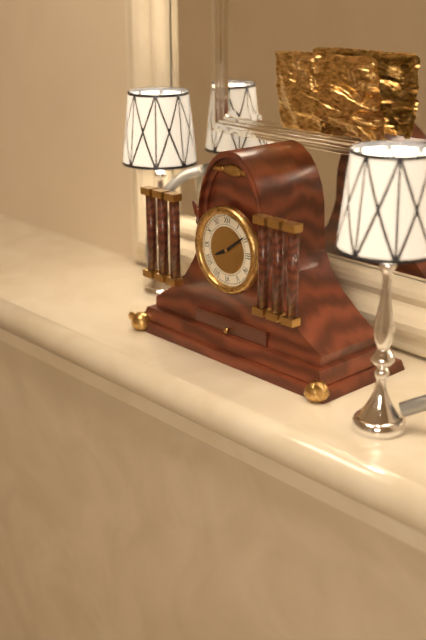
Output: 8h09
